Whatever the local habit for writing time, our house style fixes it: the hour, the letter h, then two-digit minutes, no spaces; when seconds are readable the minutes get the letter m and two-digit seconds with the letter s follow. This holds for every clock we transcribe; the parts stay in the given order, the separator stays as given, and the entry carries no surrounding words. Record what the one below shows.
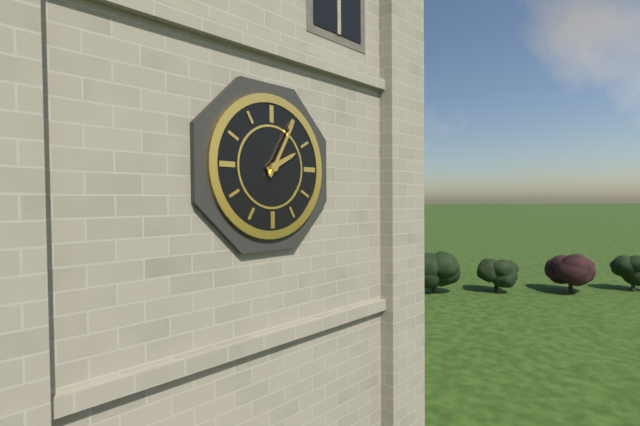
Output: 2h05
